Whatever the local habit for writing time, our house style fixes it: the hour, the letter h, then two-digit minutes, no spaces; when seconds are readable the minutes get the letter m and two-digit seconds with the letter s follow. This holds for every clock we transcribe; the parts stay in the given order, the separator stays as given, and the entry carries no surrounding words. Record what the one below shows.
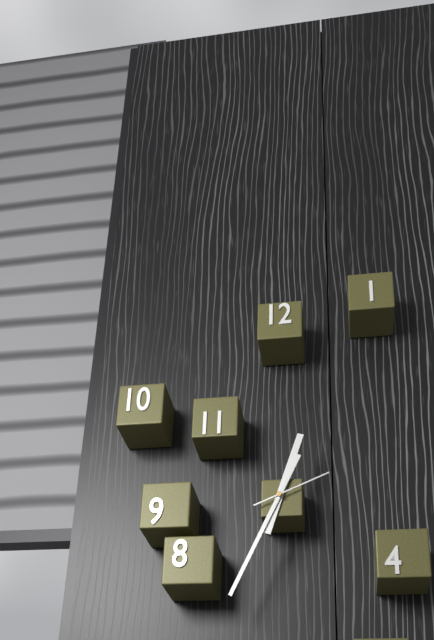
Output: 12h34m11s
